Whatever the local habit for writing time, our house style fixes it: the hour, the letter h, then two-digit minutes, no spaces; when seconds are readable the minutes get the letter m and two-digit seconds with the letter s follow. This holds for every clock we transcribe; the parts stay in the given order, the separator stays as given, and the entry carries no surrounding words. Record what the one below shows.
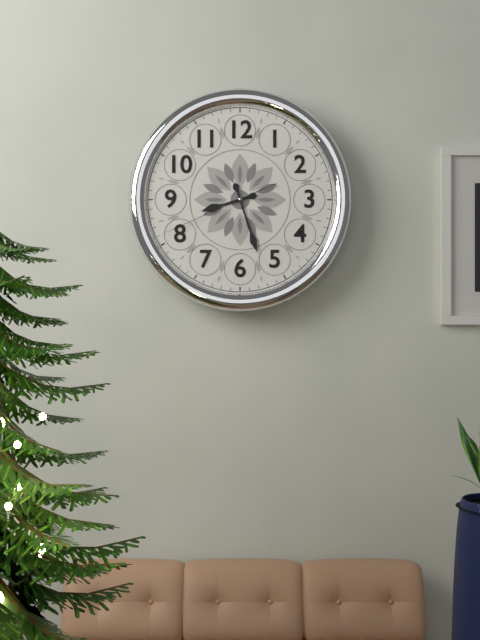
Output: 8h27m41s
